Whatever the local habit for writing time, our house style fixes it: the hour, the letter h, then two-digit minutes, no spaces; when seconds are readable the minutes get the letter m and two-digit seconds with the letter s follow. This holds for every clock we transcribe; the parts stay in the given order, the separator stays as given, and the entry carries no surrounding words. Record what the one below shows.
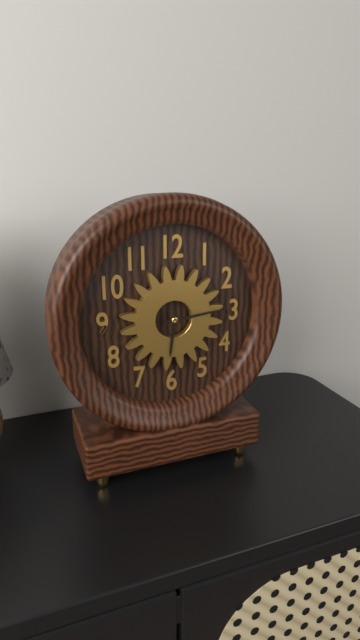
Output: 6h14
